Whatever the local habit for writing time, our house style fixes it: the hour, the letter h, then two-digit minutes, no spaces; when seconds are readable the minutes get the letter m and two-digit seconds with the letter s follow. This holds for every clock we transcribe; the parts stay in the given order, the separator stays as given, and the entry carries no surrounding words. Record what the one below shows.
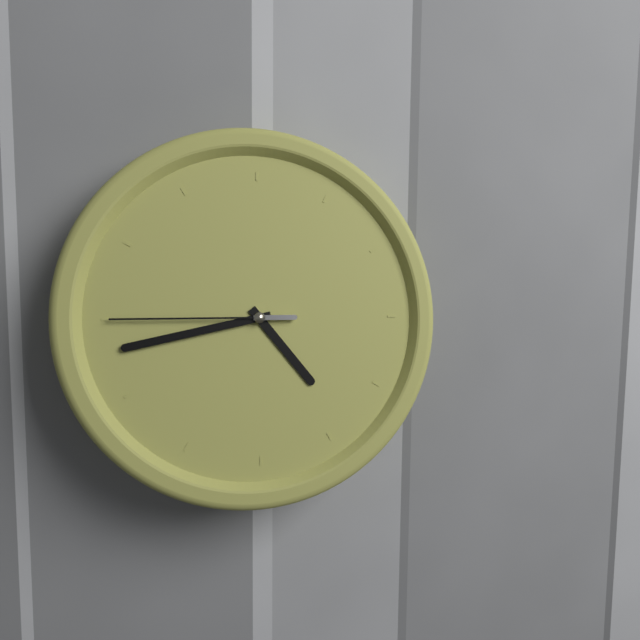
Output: 4h43m45s
